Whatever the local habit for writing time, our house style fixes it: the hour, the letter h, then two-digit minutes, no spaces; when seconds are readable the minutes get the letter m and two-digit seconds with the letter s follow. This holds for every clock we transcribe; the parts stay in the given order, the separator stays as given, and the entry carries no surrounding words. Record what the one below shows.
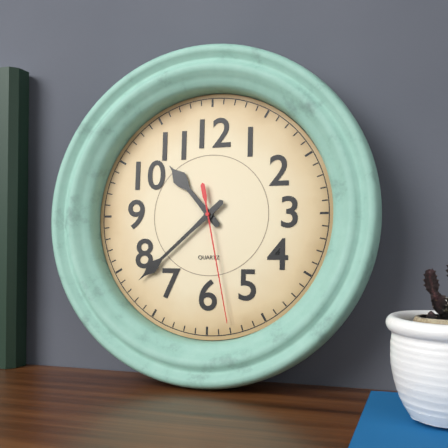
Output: 10h38m28s
